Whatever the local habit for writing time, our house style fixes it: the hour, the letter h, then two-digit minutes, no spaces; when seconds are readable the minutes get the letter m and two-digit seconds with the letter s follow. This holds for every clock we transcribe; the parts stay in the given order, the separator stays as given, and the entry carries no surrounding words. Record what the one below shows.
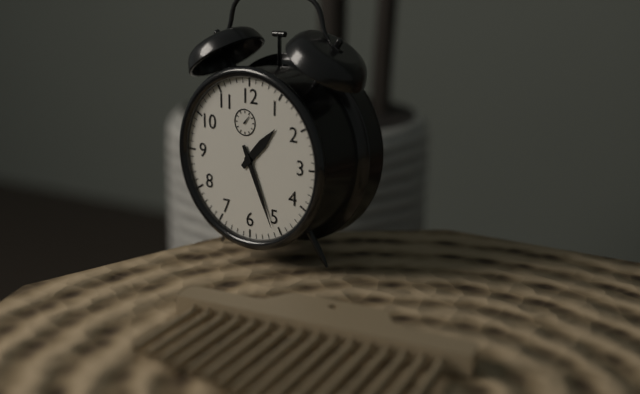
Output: 1h26
